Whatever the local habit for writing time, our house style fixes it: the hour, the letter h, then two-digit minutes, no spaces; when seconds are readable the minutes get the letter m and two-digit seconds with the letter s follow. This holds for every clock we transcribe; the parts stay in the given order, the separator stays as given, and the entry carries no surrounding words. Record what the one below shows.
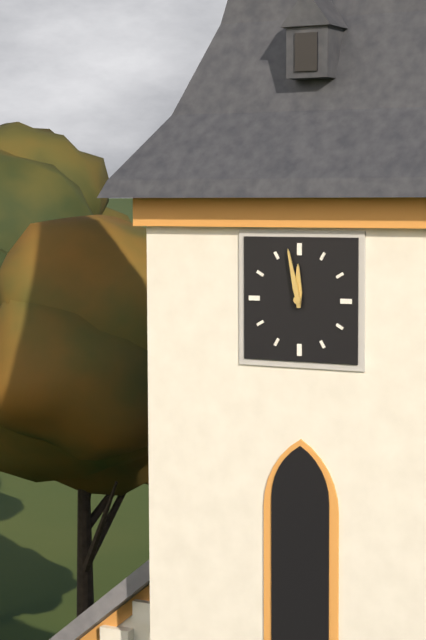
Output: 11h58
